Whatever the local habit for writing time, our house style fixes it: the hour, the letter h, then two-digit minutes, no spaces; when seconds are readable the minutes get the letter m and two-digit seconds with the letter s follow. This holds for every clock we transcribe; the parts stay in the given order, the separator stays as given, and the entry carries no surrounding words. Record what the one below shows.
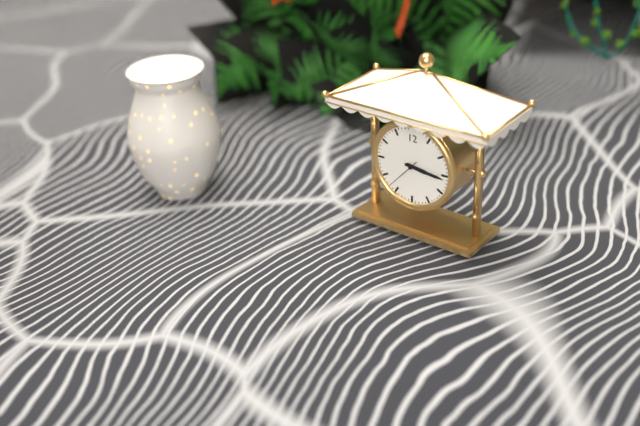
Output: 3h16
